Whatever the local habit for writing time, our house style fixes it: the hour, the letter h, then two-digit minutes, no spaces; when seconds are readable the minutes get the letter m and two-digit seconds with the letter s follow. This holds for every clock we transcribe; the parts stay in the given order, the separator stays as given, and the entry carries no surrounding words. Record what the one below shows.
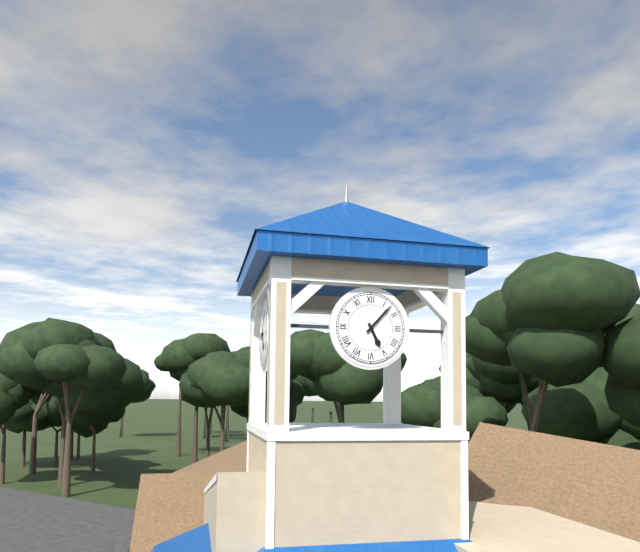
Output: 5h07
